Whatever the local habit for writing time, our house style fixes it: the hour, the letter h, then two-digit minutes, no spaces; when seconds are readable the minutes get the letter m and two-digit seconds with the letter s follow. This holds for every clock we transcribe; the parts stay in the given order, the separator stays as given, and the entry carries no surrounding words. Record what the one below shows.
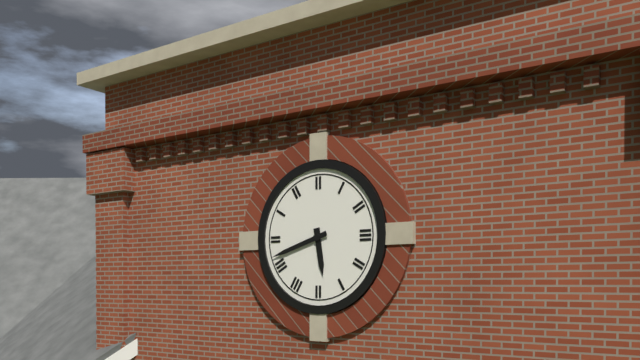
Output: 5h42
